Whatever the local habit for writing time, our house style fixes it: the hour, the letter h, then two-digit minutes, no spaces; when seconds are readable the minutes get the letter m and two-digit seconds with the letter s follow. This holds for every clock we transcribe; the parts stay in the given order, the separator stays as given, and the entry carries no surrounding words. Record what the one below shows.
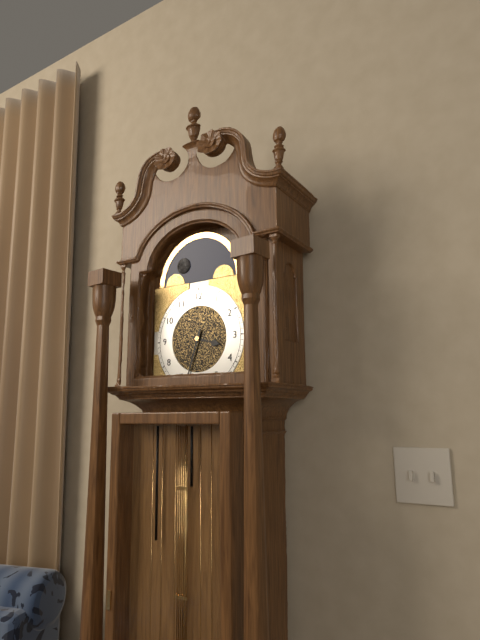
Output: 3h33
